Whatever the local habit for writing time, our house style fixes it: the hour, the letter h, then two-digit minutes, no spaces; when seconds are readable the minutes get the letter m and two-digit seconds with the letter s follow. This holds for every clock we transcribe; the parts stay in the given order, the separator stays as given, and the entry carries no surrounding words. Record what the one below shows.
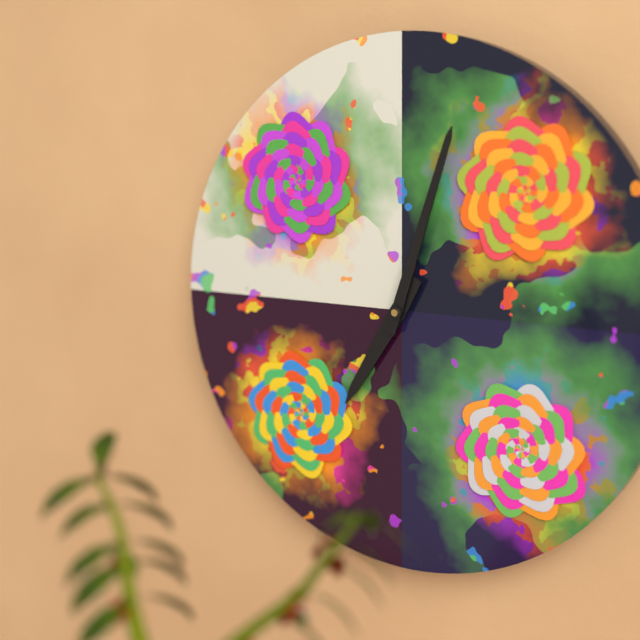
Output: 7h03
